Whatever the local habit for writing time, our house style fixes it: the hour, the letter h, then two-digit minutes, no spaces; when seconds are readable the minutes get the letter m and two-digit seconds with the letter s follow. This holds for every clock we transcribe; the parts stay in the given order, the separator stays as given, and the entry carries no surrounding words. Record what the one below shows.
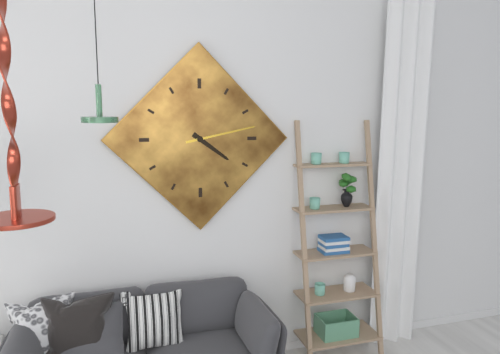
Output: 4h13
